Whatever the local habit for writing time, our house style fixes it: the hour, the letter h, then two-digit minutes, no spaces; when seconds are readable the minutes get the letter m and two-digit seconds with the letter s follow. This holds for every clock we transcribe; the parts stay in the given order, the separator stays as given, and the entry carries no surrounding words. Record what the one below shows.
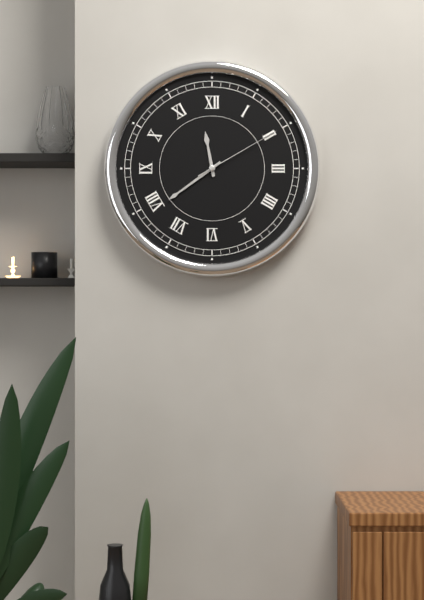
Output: 11h39m10s
